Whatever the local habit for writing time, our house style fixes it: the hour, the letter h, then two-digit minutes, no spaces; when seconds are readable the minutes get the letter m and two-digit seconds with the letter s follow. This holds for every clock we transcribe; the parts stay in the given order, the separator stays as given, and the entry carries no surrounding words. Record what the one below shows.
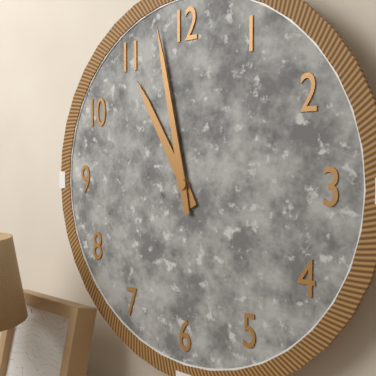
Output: 10h58
